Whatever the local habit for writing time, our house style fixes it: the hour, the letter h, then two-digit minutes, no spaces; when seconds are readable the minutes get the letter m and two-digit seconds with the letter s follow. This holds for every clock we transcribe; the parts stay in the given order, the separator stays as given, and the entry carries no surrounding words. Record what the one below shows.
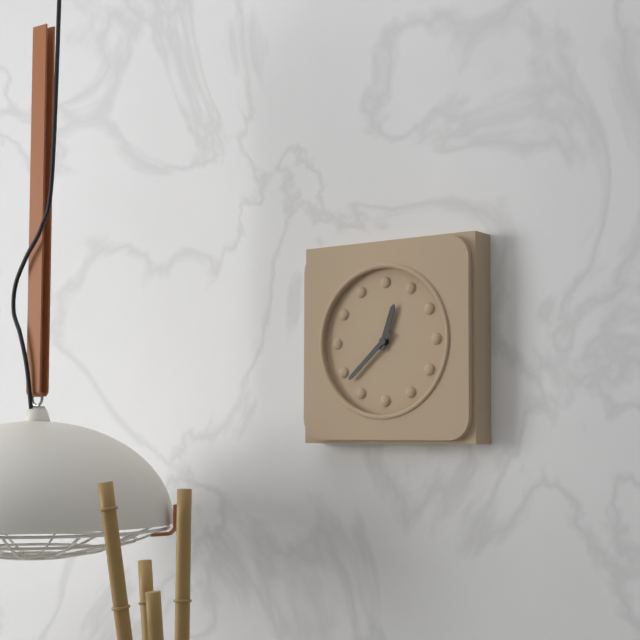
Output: 12h38
